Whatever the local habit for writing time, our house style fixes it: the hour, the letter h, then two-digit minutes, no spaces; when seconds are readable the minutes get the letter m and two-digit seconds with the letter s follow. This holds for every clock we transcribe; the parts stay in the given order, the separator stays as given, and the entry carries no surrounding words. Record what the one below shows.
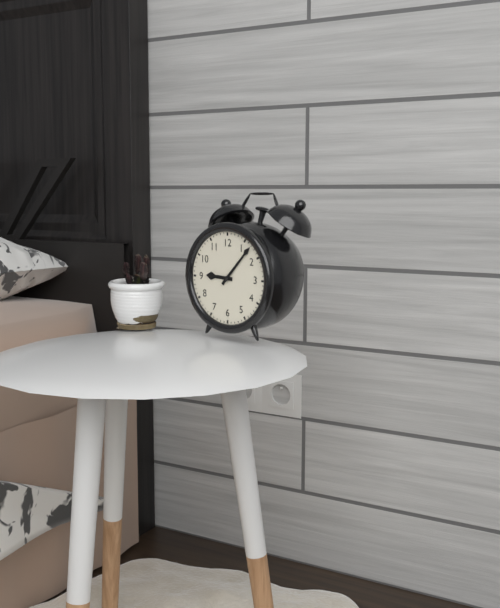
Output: 9h07
